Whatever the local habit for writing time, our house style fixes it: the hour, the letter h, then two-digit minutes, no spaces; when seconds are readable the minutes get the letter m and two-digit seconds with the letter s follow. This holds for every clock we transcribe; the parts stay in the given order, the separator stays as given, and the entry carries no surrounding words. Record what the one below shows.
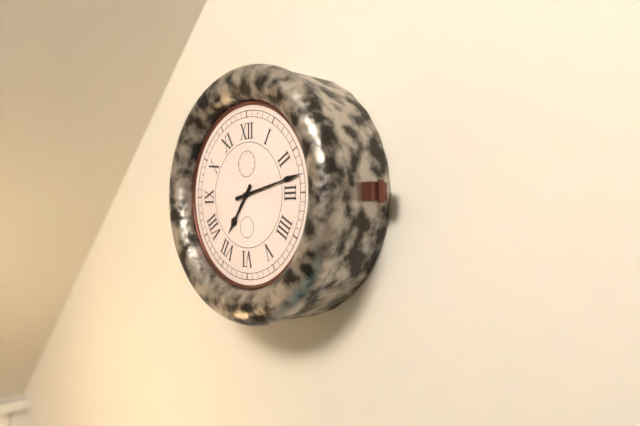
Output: 7h13
